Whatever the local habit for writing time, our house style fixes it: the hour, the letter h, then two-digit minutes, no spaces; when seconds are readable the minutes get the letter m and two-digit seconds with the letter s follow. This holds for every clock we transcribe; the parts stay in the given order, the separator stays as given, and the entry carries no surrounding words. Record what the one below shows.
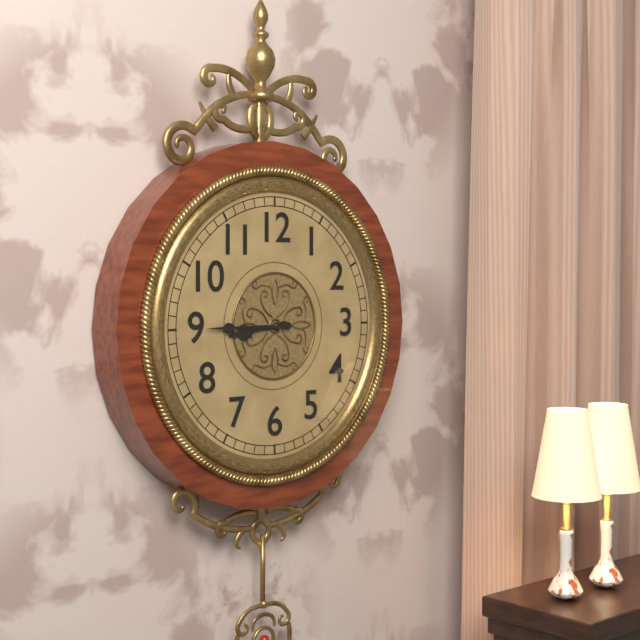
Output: 8h45
